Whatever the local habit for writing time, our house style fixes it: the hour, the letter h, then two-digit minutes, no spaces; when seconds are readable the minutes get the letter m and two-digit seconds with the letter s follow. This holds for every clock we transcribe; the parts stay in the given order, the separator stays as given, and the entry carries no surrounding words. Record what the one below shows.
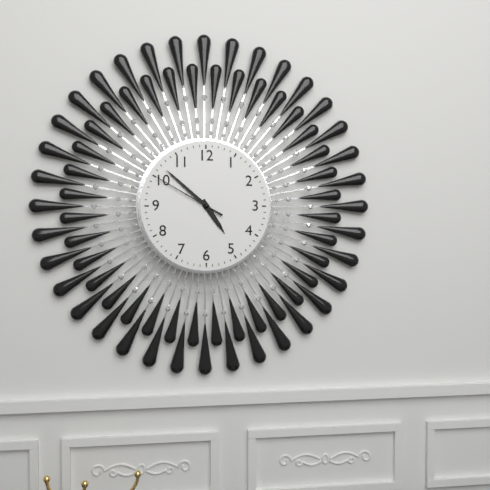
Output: 4h52m50s
